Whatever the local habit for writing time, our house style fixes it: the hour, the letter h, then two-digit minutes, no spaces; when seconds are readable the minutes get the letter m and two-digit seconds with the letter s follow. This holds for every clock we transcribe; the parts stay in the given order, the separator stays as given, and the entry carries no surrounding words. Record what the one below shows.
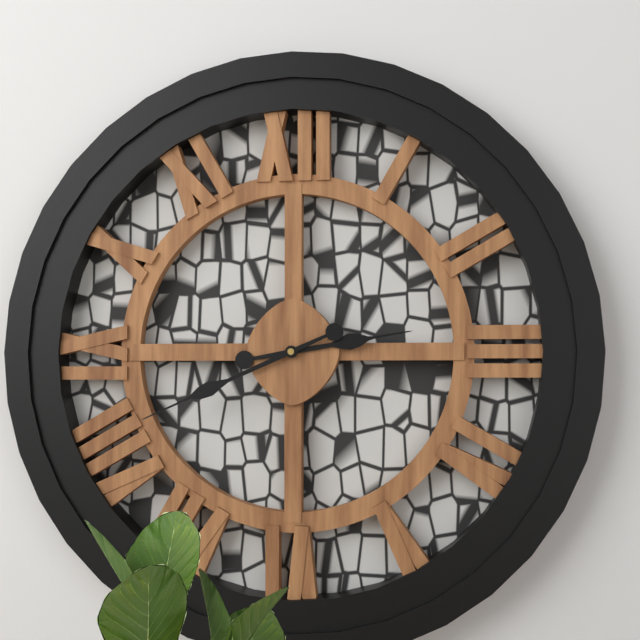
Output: 2h41
